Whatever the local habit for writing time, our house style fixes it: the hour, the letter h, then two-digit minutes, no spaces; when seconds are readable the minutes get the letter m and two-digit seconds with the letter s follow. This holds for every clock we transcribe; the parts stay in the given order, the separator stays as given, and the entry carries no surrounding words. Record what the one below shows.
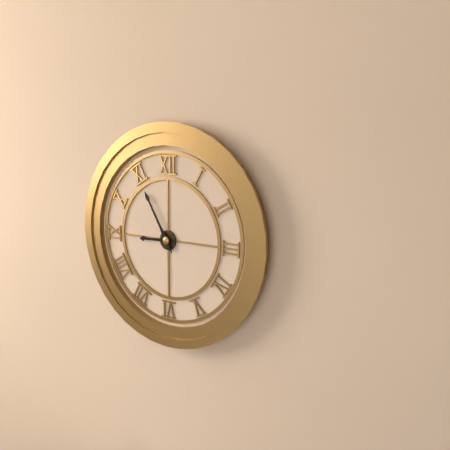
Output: 8h55
